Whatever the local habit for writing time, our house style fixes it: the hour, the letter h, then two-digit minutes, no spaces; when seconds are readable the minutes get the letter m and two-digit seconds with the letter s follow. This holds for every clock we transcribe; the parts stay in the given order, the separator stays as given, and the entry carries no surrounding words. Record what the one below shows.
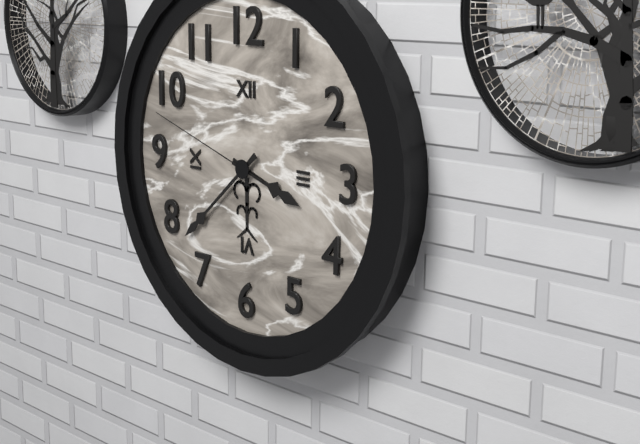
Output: 3h38m48s
